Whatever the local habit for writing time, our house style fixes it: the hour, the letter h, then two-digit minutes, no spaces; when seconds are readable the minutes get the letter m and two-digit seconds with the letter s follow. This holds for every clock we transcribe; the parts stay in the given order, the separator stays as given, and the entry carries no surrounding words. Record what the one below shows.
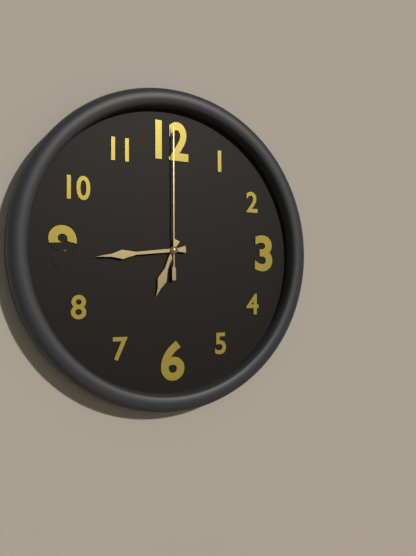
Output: 6h44m00s
